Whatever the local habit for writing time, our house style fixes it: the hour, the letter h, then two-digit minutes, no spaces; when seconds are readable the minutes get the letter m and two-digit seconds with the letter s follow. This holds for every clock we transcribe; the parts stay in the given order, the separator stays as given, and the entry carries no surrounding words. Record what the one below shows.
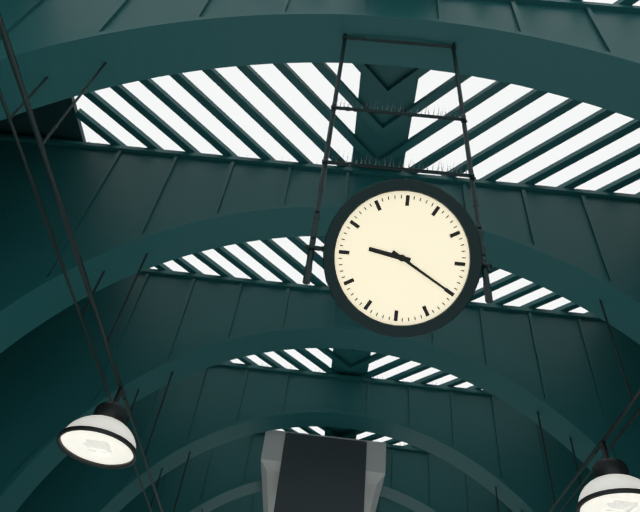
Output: 9h20
